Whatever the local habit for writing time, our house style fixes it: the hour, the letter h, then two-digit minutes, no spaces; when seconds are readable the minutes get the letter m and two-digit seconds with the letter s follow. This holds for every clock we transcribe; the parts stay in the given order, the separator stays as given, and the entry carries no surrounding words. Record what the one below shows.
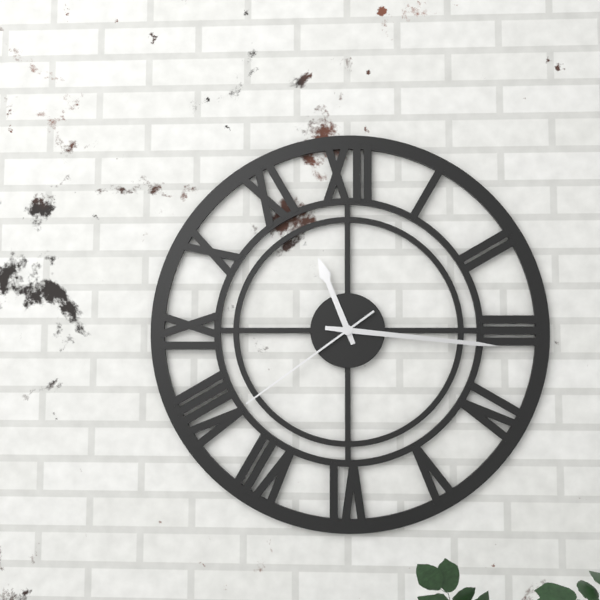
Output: 11h16m39s
